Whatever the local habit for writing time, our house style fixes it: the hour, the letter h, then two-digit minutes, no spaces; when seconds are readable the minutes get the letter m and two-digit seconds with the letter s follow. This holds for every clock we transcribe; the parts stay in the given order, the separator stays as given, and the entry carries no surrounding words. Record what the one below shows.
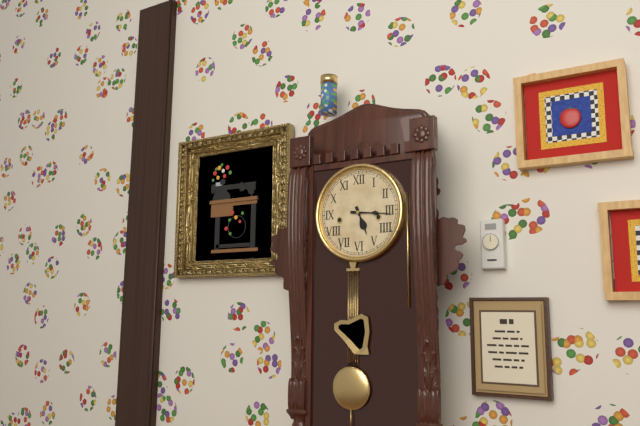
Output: 5h16
